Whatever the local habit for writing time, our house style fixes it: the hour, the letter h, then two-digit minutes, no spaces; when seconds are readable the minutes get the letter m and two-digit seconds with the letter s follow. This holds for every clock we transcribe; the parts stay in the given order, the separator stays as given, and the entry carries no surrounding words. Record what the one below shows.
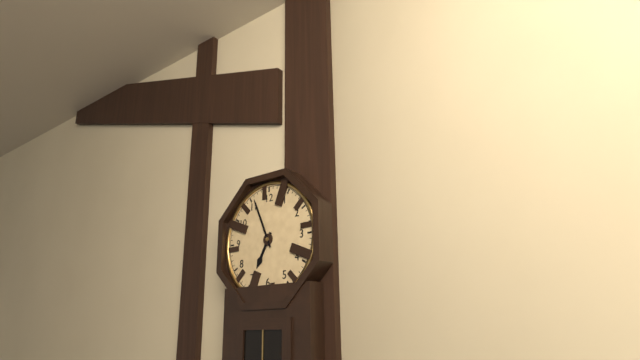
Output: 6h56
